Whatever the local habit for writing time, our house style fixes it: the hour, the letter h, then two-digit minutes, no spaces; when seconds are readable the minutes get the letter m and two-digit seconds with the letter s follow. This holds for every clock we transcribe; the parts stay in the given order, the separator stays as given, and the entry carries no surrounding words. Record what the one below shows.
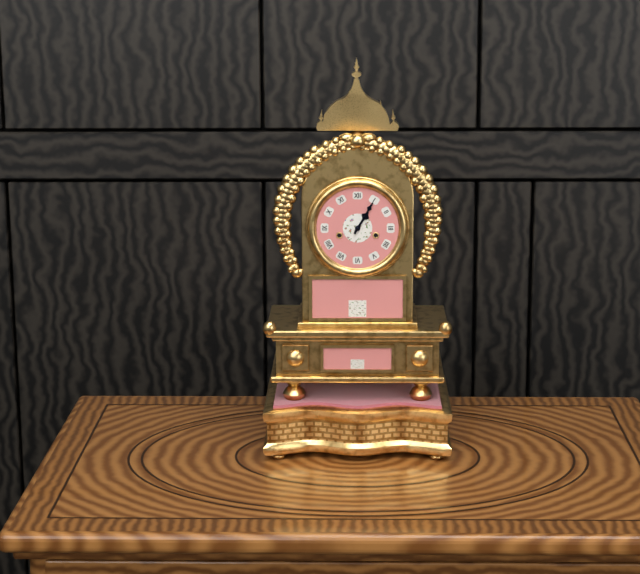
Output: 1h05
